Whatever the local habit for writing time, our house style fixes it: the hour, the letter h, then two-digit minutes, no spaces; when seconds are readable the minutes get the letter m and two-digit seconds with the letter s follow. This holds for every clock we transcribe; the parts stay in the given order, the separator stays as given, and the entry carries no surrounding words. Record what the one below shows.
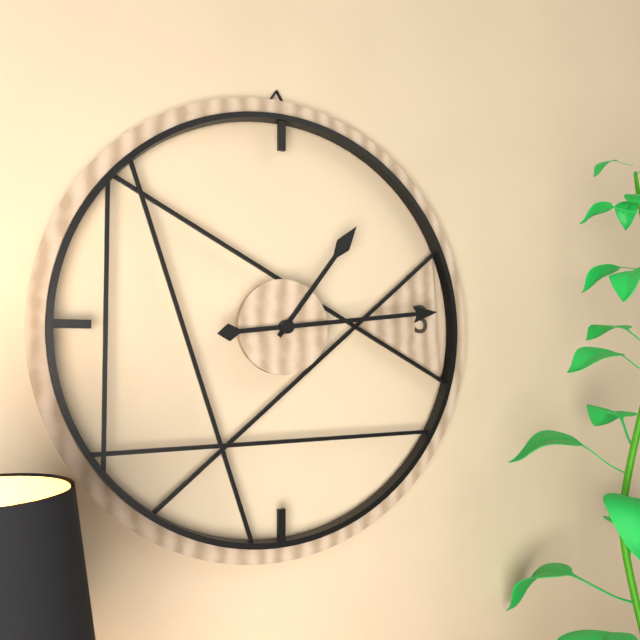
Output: 1h14
